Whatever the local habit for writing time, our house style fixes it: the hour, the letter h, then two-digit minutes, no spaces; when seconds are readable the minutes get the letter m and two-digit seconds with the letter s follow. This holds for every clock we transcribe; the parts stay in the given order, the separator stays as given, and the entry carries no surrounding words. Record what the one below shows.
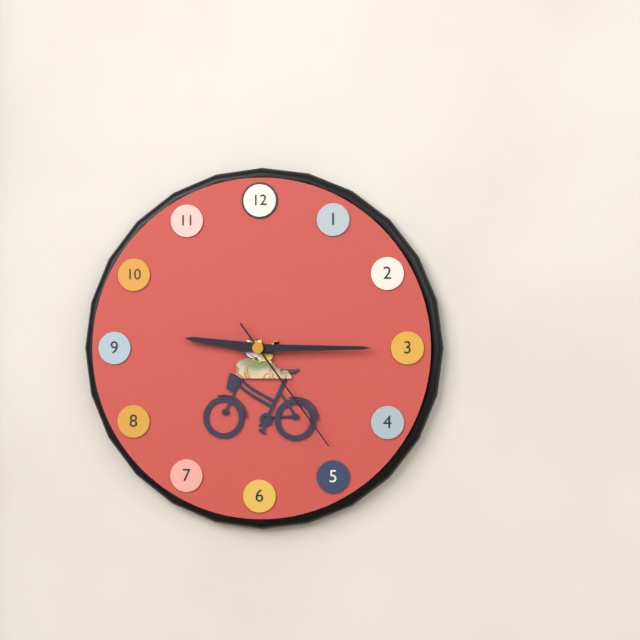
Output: 9h15m24s
